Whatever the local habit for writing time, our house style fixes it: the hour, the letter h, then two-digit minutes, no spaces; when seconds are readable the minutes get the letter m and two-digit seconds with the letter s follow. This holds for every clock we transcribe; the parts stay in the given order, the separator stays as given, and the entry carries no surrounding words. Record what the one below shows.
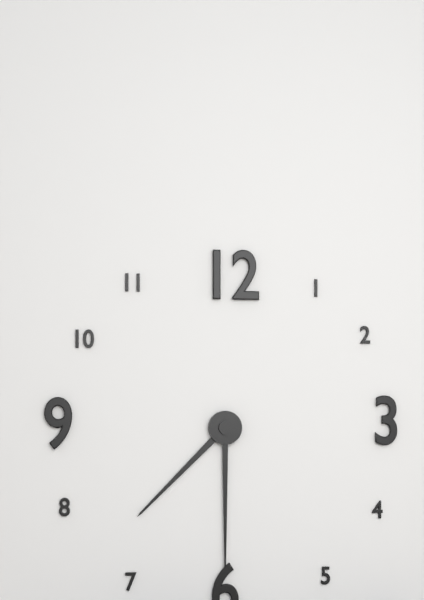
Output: 7h30
